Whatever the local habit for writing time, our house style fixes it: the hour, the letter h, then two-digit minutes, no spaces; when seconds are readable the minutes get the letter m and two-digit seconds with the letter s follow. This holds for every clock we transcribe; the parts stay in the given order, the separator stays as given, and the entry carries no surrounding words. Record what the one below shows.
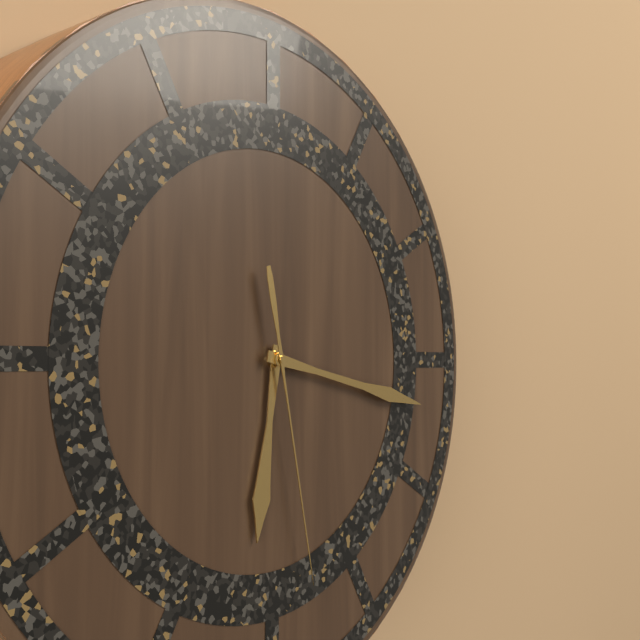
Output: 6h17m28s
